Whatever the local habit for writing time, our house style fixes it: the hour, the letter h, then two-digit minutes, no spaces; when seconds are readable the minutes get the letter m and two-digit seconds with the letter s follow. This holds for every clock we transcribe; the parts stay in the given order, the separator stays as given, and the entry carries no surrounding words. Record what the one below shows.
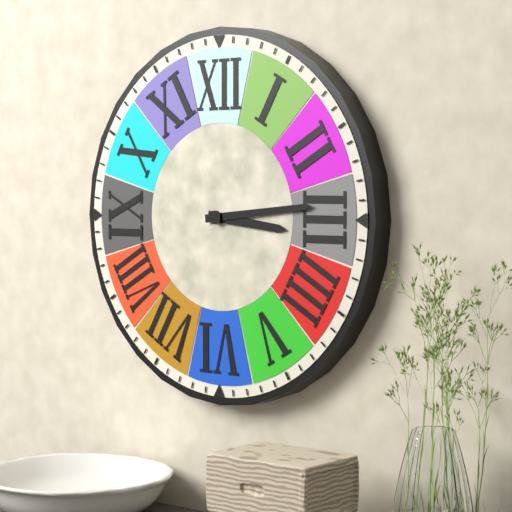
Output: 3h14
